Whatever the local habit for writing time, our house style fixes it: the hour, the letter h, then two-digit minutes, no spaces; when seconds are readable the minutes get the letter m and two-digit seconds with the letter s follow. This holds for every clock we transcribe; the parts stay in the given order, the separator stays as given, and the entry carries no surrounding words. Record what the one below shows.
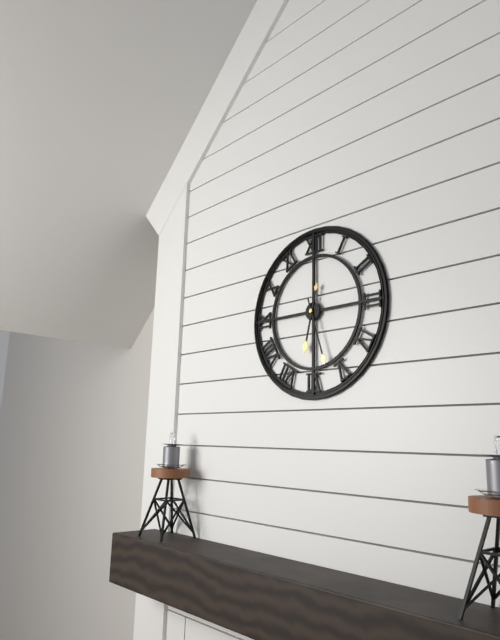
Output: 6h27
